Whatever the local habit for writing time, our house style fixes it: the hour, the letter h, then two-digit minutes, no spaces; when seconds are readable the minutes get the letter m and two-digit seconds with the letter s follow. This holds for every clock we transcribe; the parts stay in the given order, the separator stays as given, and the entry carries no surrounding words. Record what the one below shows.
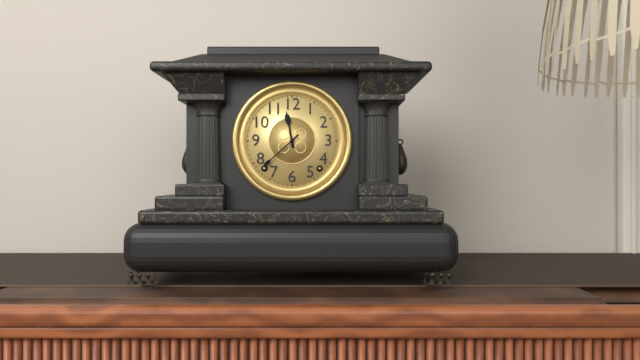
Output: 11h38
